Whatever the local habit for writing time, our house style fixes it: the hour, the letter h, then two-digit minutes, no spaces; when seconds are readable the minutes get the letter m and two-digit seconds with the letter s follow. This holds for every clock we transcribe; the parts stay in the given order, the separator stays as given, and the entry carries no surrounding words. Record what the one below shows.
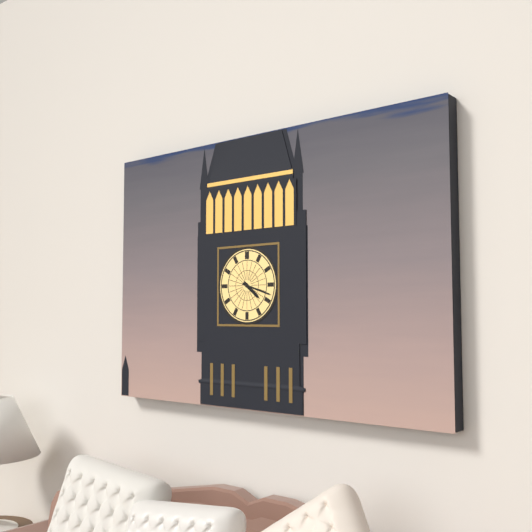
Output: 4h18
